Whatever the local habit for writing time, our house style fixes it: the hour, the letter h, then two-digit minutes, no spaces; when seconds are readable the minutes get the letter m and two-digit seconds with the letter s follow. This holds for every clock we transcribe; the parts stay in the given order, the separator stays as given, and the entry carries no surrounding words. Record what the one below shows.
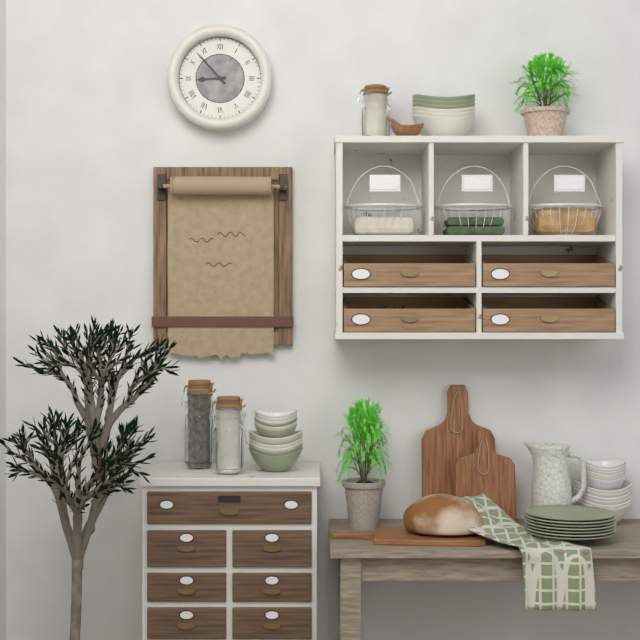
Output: 8h53
